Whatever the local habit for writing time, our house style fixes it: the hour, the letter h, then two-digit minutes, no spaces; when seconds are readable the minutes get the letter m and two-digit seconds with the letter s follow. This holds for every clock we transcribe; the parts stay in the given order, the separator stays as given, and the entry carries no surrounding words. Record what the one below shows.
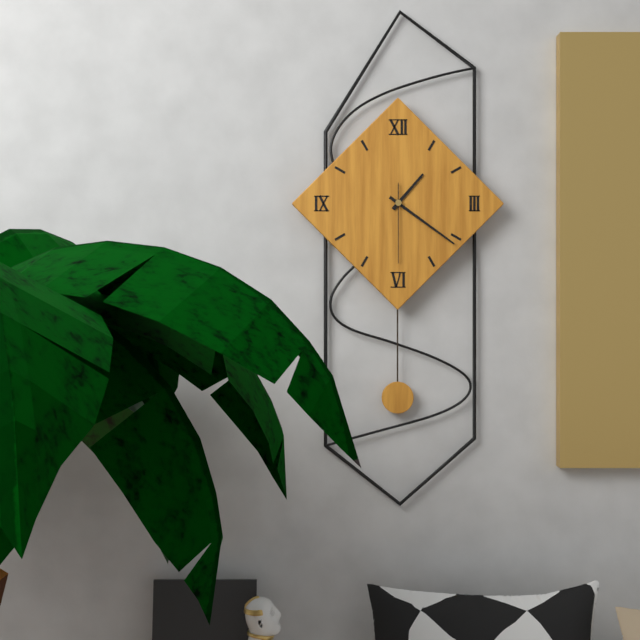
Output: 1h21m30s
